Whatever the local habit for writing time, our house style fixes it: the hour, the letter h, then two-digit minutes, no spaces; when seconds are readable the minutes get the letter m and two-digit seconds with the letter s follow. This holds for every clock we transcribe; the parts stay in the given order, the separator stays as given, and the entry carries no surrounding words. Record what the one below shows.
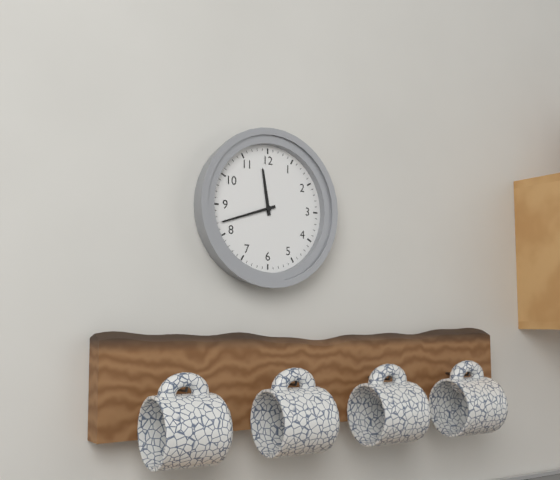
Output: 11h42
